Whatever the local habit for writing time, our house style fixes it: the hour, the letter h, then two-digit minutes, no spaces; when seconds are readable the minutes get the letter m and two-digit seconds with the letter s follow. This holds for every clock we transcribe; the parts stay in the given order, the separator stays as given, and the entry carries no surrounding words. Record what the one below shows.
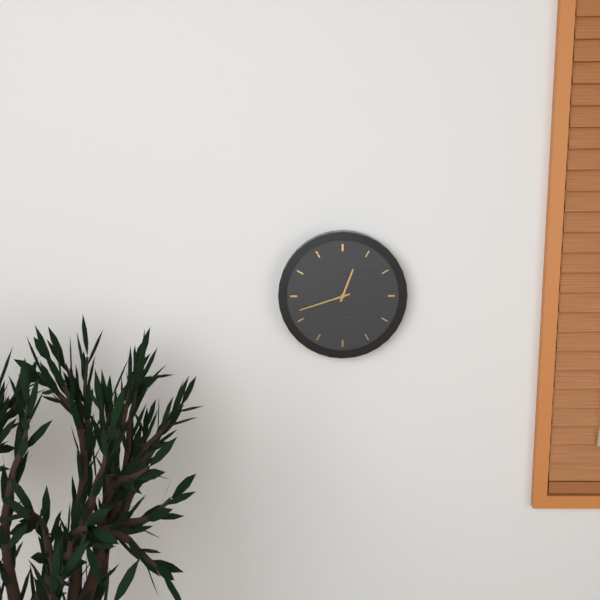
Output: 12h42
